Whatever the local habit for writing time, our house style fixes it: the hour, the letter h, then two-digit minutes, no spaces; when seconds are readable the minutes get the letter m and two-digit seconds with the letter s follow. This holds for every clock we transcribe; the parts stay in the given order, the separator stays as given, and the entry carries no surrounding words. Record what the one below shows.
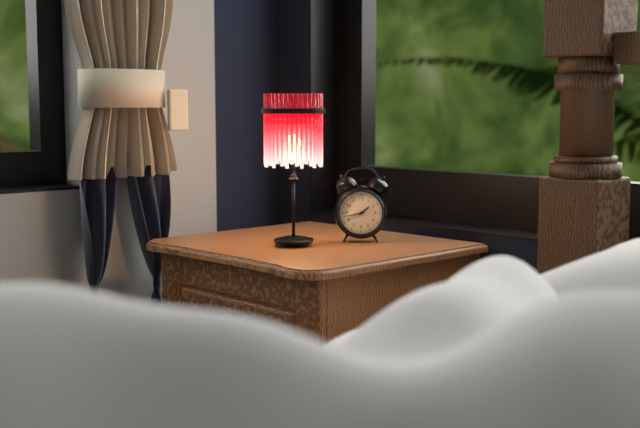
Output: 1h43
